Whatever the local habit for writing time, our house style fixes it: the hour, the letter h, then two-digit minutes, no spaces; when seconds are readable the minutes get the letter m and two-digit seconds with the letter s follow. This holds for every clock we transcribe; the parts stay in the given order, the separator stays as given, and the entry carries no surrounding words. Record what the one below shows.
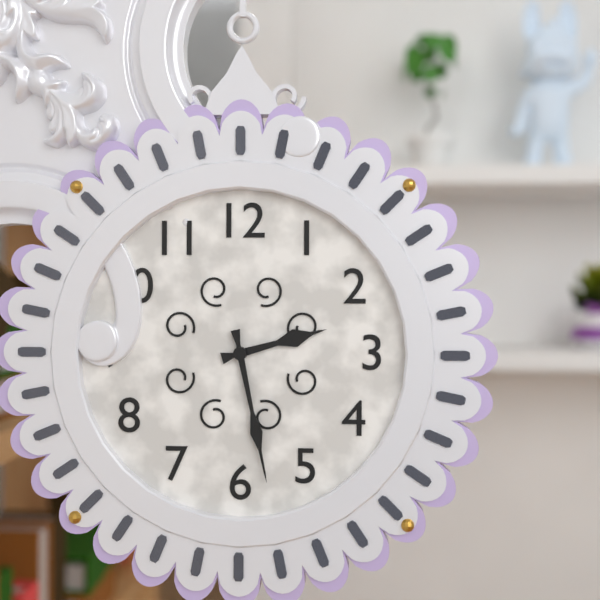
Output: 2h28
